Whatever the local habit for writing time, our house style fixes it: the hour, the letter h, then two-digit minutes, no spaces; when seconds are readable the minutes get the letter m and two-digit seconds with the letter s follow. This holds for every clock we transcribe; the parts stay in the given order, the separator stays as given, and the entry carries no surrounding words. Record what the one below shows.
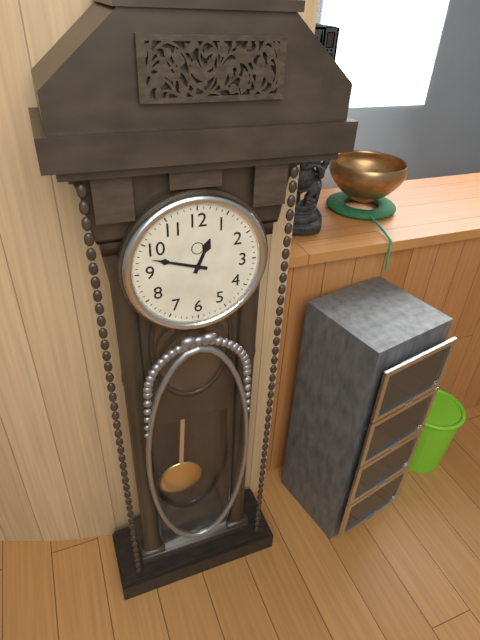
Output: 12h48
